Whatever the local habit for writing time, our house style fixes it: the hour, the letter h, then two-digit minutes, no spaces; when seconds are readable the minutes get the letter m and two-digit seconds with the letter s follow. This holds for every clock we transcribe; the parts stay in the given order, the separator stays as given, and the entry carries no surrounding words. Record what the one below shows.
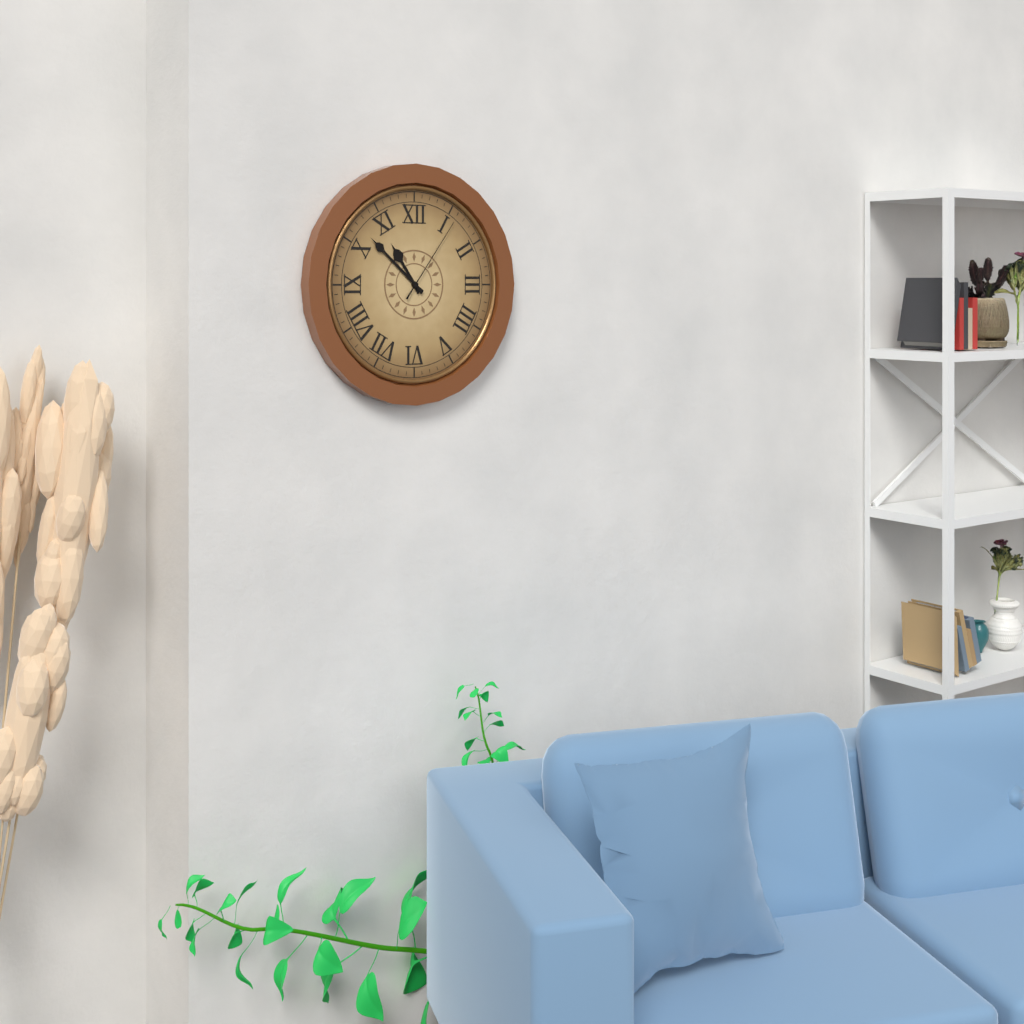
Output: 10h52m06s
